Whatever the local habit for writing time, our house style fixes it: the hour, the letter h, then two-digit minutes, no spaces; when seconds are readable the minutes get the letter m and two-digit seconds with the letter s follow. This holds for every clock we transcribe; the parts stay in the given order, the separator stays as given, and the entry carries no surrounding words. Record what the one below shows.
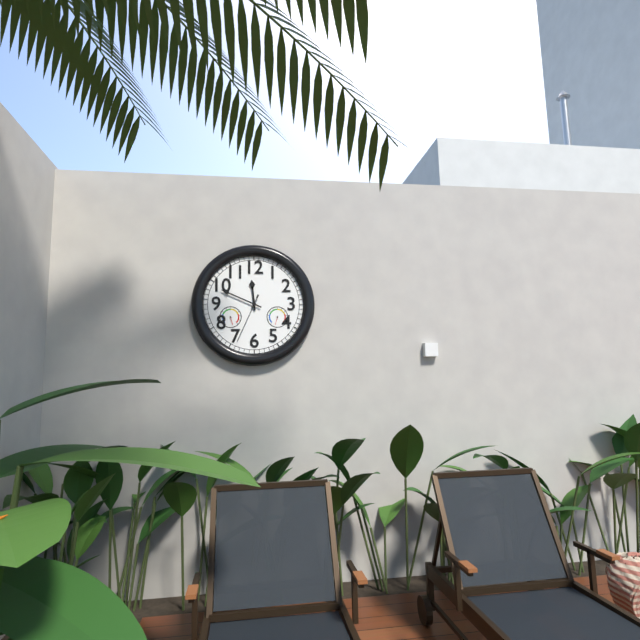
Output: 11h49m34s
